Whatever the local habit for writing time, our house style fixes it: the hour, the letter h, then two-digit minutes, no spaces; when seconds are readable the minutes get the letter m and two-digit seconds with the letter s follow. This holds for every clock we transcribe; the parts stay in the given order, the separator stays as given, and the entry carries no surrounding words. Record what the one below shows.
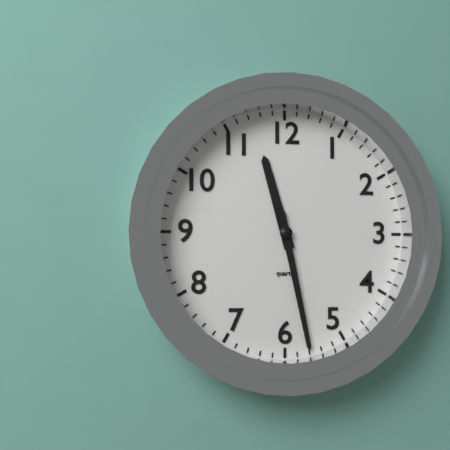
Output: 11h28
